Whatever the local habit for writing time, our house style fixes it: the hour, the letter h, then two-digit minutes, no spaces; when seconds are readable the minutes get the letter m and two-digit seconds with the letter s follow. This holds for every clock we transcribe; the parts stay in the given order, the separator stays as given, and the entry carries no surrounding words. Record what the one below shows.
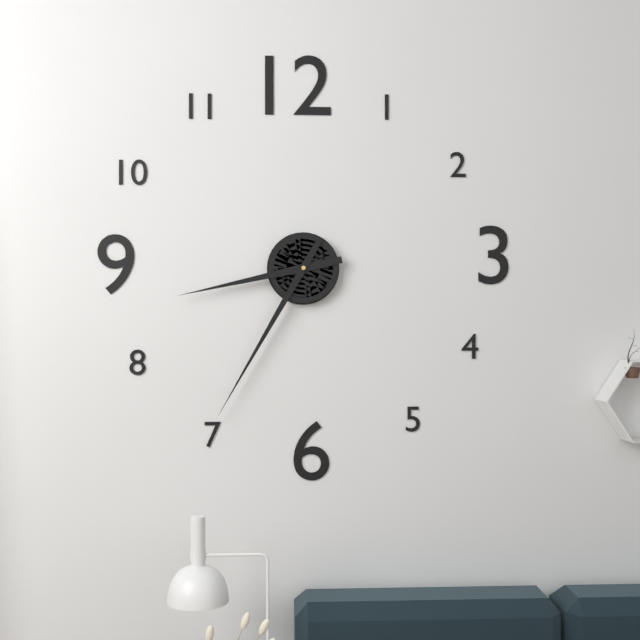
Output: 8h35
